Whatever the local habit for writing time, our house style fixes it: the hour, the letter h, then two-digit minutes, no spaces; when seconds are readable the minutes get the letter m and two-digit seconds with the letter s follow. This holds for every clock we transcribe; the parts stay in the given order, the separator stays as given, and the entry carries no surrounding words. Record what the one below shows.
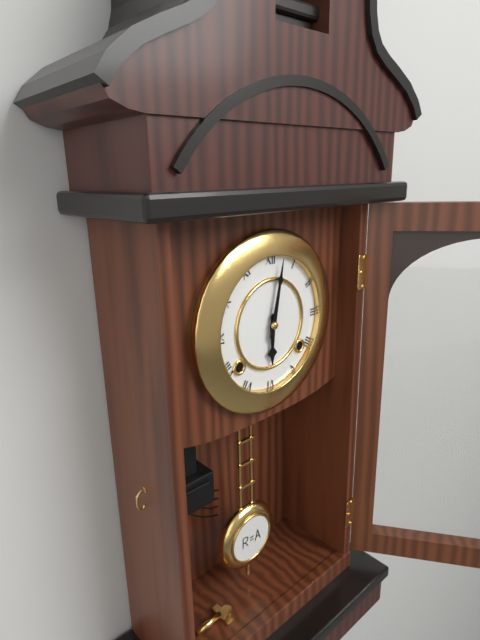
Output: 6h02
